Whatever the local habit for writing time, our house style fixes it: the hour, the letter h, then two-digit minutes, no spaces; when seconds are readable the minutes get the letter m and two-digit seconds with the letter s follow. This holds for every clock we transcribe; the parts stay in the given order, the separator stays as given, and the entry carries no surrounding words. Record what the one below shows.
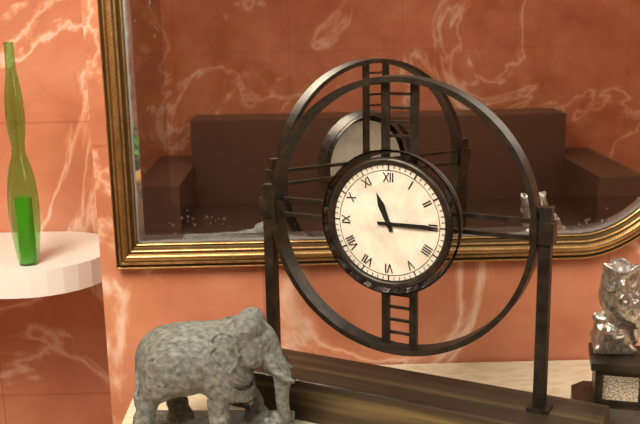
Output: 11h15
